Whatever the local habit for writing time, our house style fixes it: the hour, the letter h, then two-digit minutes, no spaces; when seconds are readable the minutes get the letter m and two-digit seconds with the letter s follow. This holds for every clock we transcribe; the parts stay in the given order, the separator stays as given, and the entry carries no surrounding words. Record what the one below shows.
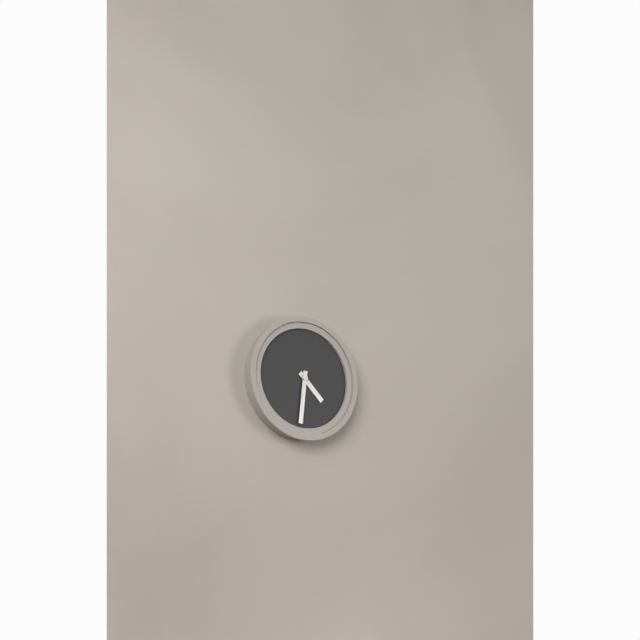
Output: 4h31
